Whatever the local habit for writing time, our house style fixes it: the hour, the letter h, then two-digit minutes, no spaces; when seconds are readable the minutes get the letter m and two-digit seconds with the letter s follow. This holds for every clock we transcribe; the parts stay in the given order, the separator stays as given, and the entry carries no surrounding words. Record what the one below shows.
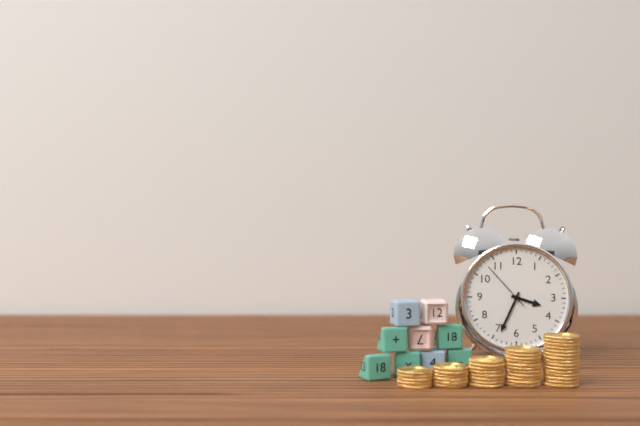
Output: 3h34m53s
